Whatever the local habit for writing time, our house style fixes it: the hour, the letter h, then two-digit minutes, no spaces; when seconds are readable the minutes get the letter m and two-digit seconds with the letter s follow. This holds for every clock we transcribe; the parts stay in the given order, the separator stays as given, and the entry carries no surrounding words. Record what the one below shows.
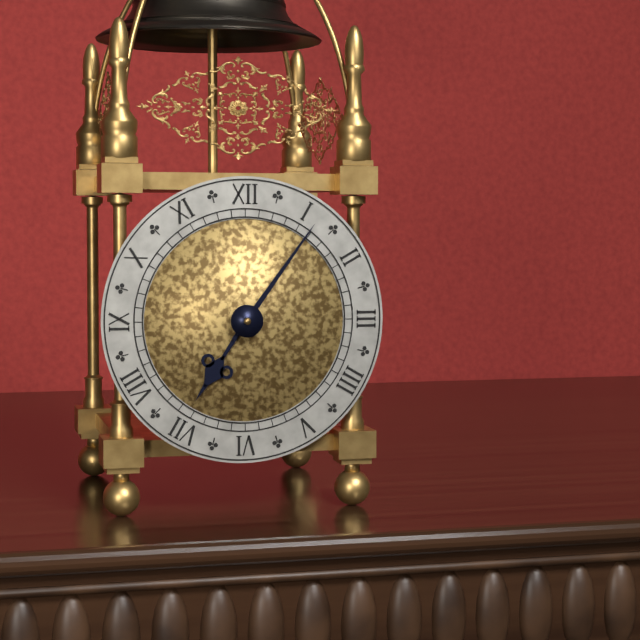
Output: 7h06
